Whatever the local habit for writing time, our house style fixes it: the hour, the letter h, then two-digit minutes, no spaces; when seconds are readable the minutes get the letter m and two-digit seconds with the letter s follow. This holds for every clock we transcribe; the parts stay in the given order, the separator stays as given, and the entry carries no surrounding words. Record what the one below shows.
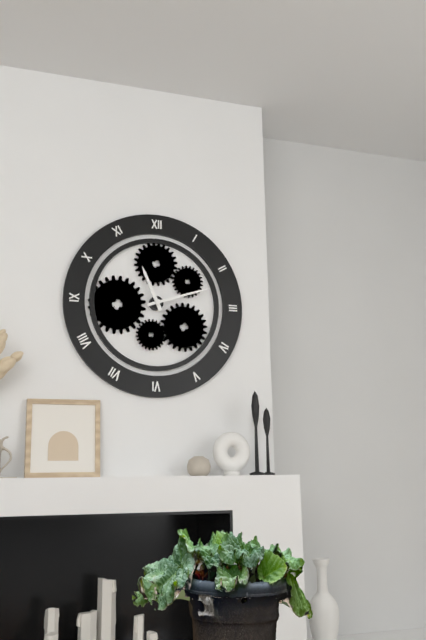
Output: 11h12
